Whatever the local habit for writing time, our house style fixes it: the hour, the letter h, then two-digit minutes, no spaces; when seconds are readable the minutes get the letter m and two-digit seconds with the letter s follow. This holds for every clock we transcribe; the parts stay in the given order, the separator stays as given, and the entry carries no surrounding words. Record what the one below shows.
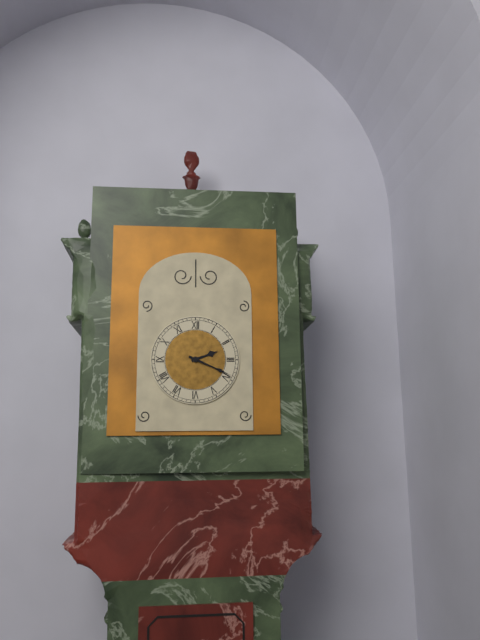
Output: 2h19
